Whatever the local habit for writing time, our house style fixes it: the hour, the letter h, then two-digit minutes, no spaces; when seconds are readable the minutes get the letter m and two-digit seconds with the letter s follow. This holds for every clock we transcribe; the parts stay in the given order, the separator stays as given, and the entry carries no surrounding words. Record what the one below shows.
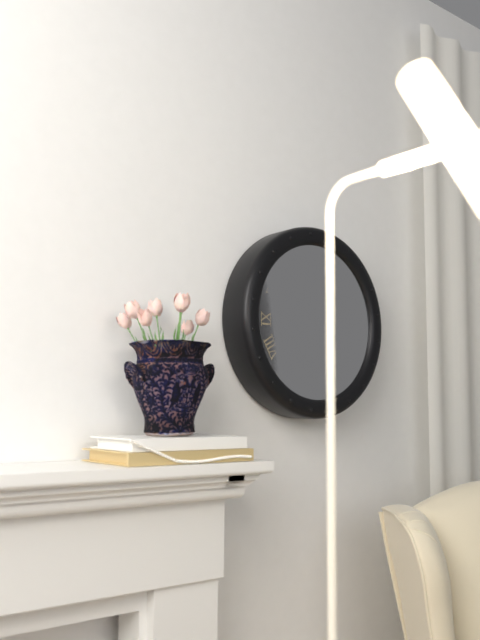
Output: 11h36
